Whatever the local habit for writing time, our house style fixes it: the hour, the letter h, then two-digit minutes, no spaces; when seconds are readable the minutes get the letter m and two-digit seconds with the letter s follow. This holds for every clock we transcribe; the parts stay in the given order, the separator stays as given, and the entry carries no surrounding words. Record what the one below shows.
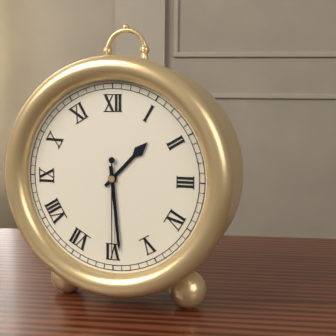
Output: 1h29m30s
